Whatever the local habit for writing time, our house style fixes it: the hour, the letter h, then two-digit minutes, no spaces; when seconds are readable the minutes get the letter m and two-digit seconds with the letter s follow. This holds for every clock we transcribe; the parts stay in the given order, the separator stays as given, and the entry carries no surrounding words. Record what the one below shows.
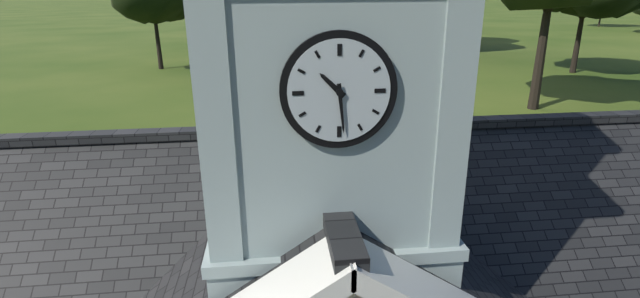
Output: 10h29
